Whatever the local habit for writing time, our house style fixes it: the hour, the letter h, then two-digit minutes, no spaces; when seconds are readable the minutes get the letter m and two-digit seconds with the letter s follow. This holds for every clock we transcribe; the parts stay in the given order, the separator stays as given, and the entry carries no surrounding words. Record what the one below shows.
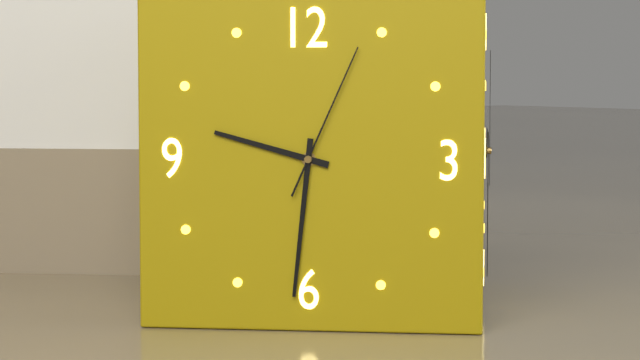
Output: 9h31m04s
